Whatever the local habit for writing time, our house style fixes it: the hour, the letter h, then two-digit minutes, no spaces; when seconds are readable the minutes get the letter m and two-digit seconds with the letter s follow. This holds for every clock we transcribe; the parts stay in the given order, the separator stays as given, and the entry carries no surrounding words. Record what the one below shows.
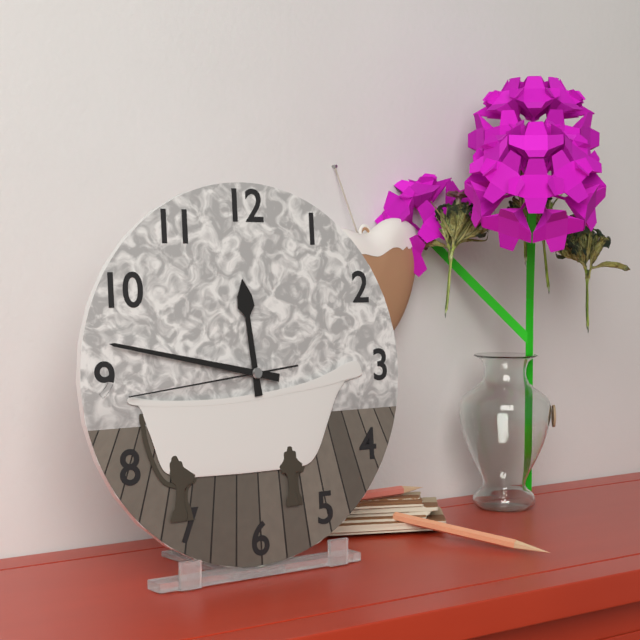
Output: 11h47m44s
